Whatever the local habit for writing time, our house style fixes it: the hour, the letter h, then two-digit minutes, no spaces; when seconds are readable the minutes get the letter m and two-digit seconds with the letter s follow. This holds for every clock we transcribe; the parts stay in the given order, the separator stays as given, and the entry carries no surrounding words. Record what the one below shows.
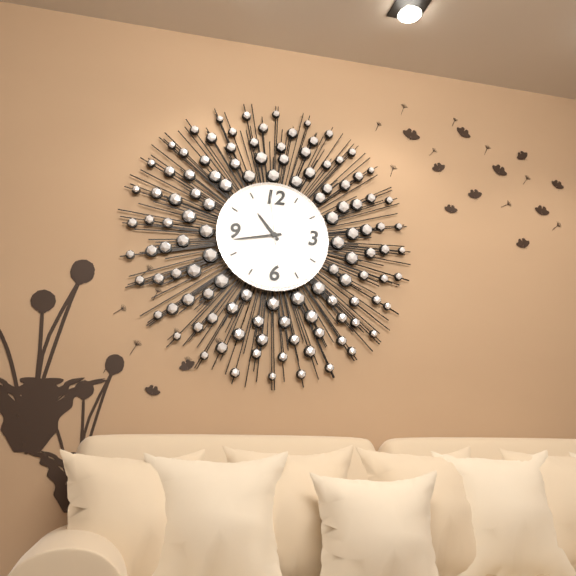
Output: 10h43m59s
